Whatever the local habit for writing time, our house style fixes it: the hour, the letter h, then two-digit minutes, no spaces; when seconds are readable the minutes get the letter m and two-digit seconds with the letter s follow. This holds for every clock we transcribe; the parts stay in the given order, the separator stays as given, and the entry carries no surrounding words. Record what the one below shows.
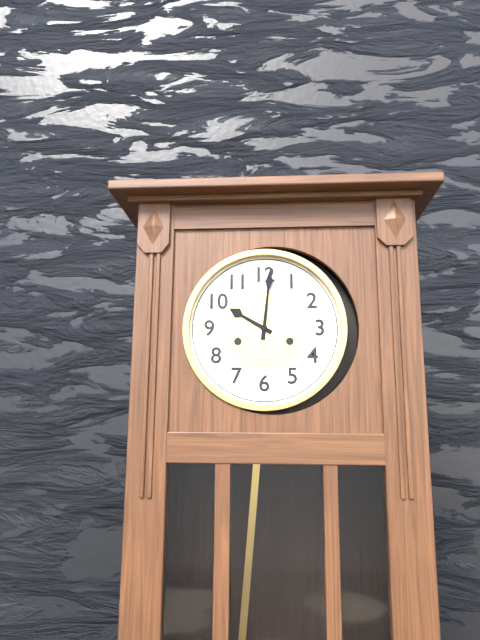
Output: 10h01
